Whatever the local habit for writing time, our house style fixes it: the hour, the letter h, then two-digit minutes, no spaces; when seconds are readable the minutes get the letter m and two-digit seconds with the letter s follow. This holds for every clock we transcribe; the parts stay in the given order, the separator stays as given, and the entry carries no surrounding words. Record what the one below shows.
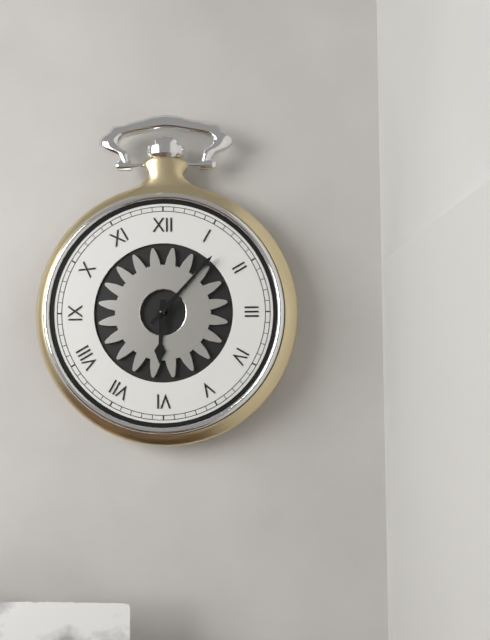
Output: 6h07
